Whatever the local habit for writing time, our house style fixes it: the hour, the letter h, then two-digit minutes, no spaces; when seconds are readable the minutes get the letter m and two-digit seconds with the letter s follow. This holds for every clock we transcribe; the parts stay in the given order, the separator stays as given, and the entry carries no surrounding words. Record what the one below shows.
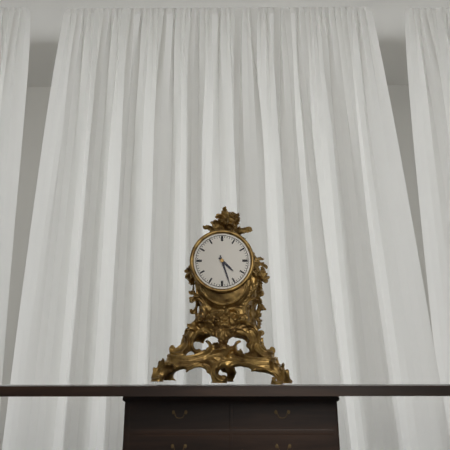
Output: 4h27
